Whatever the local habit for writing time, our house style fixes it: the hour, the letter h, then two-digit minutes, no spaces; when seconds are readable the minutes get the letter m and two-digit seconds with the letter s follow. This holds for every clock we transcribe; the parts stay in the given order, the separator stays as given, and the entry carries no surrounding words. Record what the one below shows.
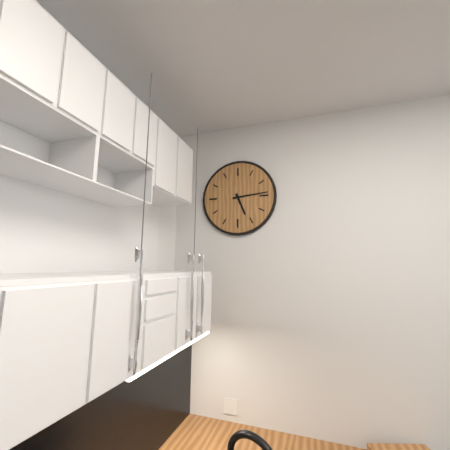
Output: 5h14
